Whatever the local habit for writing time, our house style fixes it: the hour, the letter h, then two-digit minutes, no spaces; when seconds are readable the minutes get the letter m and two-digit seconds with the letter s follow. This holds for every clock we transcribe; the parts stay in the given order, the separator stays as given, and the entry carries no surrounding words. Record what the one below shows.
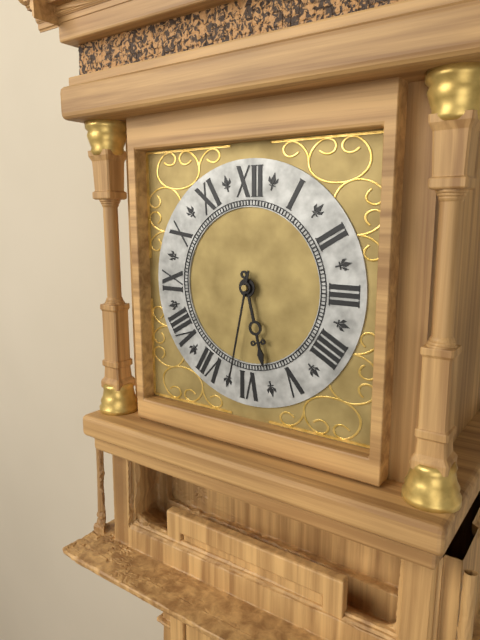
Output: 5h32
